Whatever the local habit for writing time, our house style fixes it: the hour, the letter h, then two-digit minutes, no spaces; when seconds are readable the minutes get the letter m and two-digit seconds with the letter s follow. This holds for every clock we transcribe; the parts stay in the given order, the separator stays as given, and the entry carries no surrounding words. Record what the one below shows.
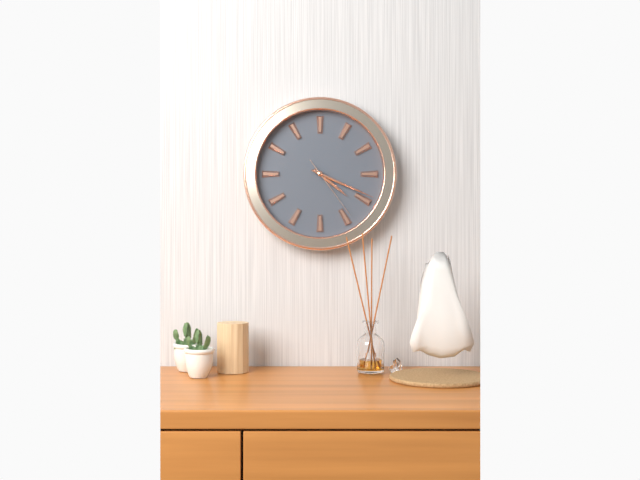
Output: 4h19m24s
